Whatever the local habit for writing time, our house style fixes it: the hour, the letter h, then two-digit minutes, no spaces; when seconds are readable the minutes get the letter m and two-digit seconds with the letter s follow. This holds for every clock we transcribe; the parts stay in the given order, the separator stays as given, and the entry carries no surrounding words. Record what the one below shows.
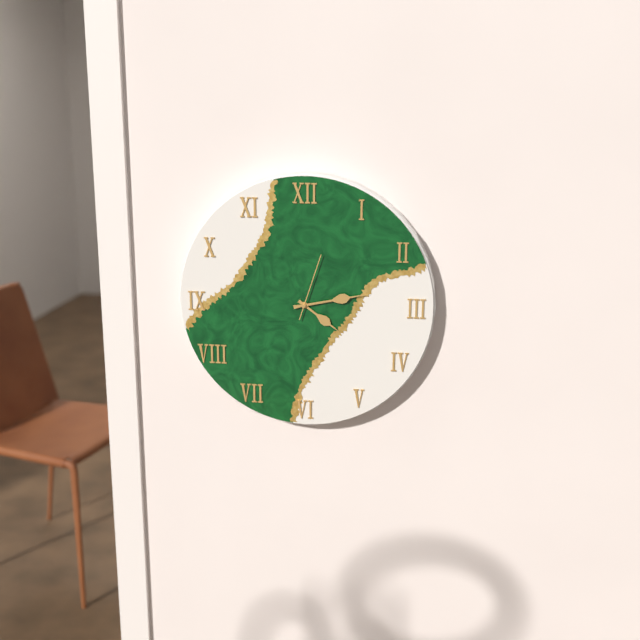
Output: 4h13m03s
